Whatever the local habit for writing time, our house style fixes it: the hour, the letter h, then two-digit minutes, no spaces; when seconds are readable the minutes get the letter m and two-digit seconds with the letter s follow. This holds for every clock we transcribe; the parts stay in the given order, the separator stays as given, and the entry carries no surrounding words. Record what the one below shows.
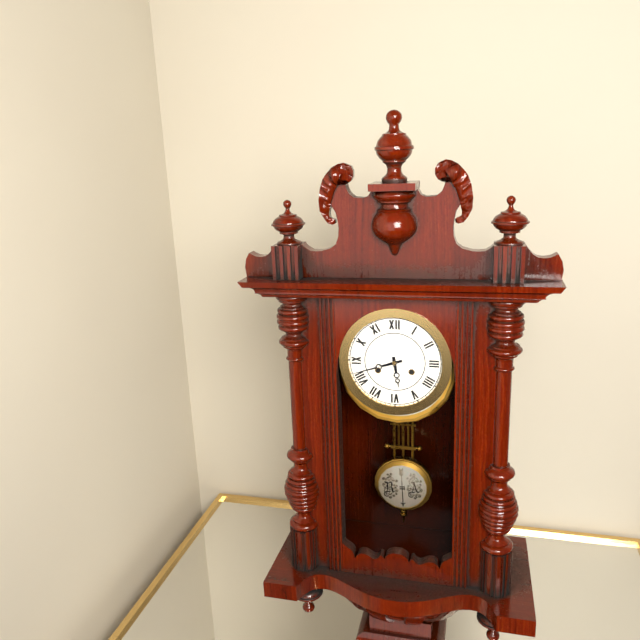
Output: 5h42
